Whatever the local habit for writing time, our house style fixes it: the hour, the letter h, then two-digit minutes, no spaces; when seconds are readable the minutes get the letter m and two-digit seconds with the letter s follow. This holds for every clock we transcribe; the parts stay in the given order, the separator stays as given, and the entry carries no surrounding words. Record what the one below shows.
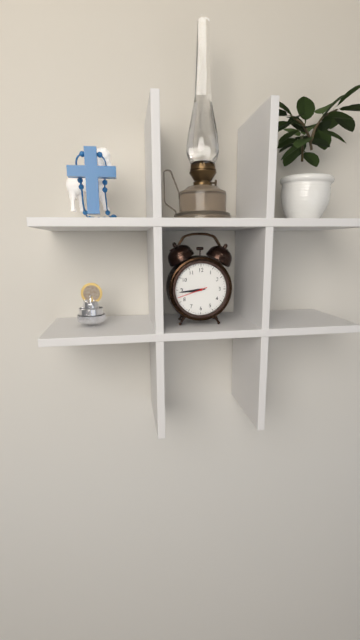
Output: 8h44
